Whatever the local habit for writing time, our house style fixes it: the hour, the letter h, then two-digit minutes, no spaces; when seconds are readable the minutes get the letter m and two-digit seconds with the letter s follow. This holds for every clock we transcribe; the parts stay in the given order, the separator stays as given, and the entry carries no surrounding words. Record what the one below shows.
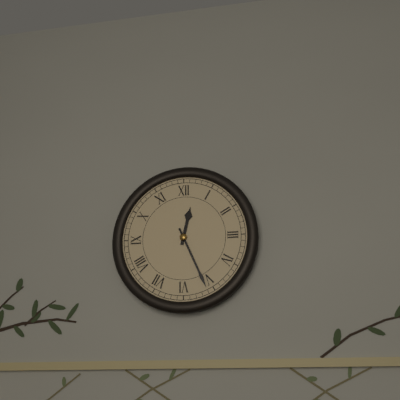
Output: 12h26
